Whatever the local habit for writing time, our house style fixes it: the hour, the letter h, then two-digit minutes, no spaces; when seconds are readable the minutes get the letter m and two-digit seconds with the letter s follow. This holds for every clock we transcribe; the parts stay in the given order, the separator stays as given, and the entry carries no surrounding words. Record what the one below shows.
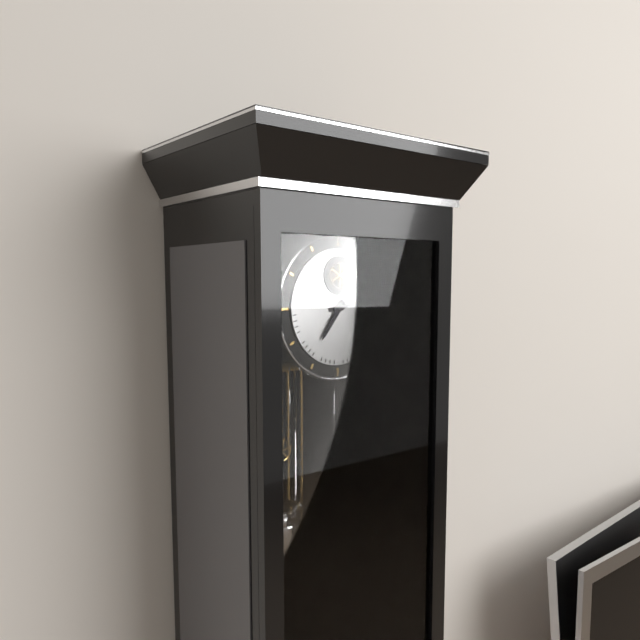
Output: 7h13
